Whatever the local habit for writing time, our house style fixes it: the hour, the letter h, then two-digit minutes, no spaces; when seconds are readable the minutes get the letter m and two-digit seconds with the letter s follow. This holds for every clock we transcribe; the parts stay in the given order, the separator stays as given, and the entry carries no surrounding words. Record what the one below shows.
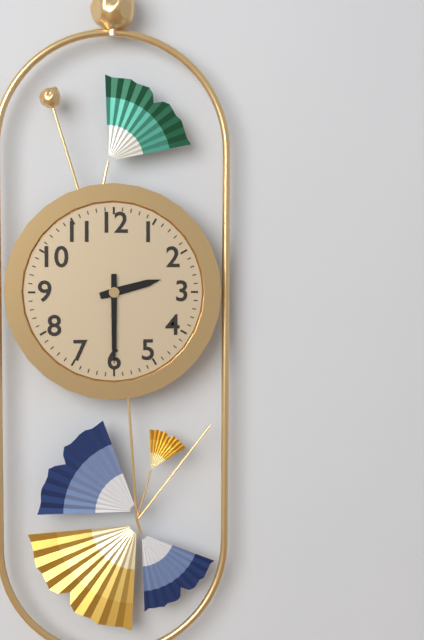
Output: 2h30
